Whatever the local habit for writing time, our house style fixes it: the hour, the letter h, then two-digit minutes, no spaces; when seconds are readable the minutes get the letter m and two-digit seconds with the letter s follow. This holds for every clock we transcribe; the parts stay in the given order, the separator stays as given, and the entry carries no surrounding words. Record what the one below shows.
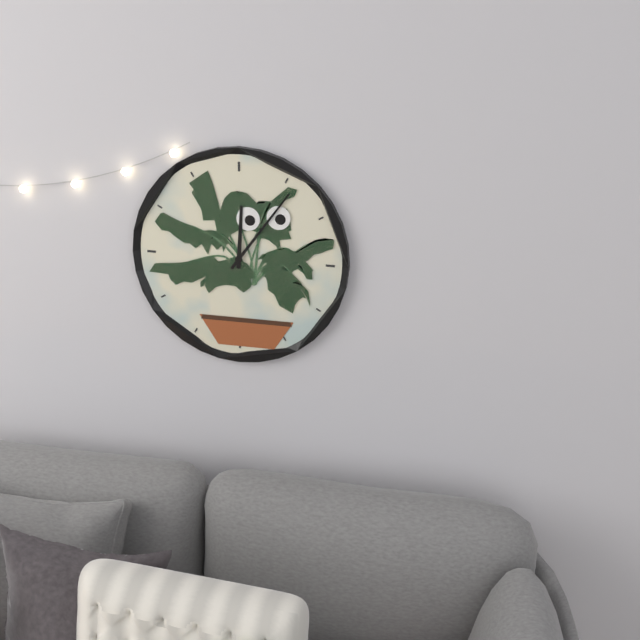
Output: 12h06
